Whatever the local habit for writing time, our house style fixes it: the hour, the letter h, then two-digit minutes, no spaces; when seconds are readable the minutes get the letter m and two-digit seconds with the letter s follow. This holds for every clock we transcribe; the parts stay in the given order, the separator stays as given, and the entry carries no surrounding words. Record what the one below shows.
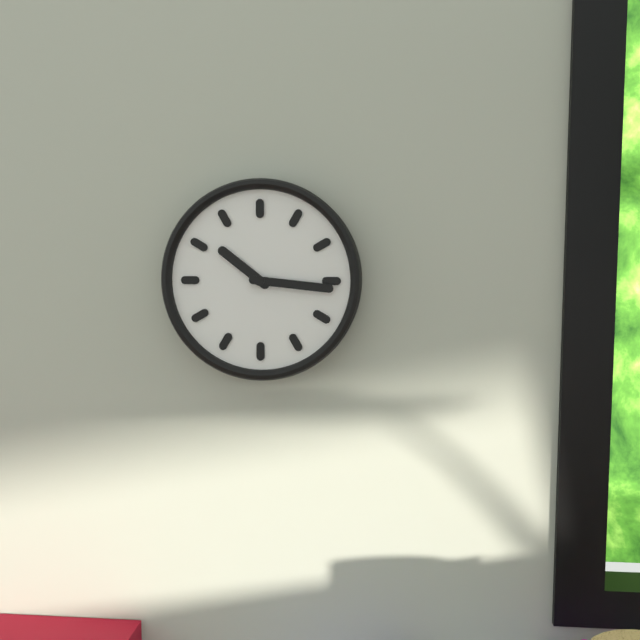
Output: 10h16
